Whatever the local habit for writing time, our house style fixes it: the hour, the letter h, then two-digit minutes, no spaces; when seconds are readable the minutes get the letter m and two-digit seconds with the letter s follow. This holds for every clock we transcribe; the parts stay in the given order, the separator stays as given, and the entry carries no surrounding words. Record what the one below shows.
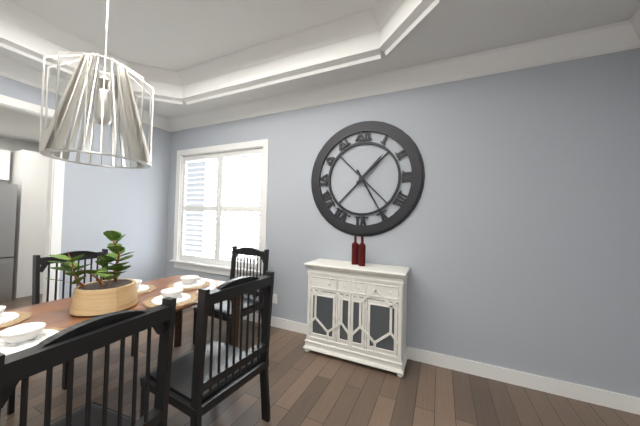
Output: 1h25
